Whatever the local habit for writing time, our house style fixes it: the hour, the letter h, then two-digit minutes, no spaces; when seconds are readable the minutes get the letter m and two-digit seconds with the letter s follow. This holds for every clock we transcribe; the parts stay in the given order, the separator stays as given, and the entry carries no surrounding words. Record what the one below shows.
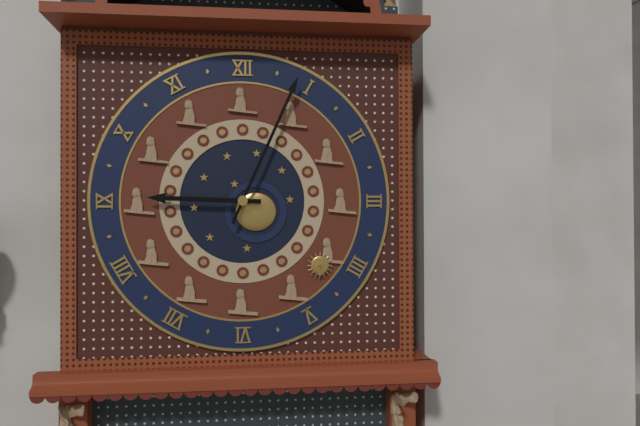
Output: 9h04
